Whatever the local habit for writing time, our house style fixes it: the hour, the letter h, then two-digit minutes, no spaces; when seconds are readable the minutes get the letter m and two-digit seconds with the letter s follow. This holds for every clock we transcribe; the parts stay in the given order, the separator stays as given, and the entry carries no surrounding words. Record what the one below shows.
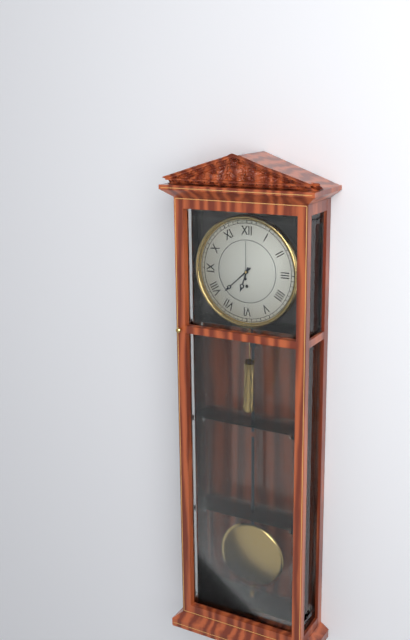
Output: 6h38
